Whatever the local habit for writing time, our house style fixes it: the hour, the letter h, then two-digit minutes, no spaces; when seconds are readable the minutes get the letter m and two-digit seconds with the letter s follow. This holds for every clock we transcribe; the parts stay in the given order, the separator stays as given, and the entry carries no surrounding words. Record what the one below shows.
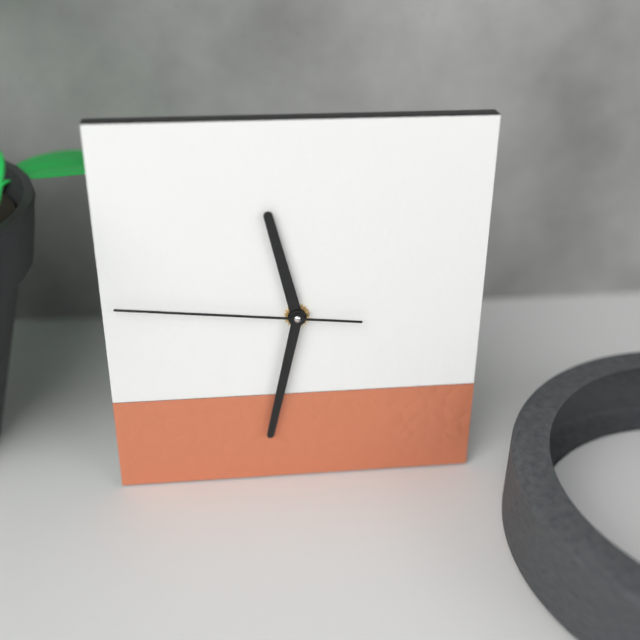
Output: 11h32m46s
